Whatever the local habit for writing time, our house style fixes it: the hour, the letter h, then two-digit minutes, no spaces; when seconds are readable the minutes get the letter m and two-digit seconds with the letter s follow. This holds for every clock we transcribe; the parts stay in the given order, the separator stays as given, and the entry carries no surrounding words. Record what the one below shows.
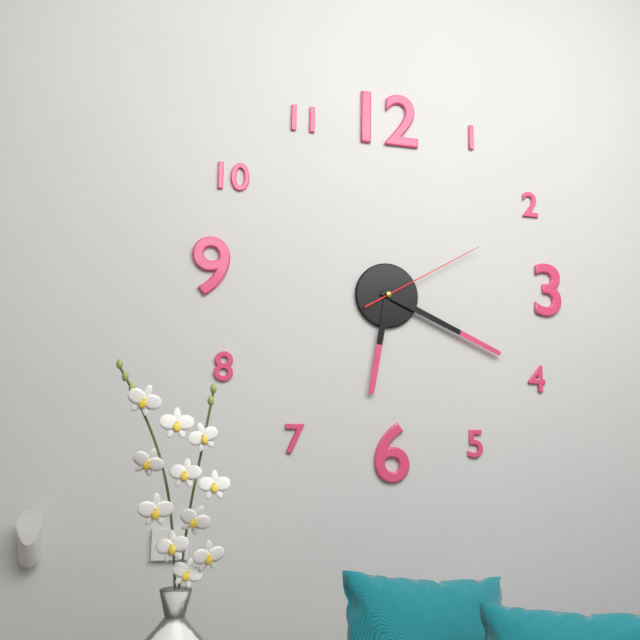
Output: 6h19m10s
